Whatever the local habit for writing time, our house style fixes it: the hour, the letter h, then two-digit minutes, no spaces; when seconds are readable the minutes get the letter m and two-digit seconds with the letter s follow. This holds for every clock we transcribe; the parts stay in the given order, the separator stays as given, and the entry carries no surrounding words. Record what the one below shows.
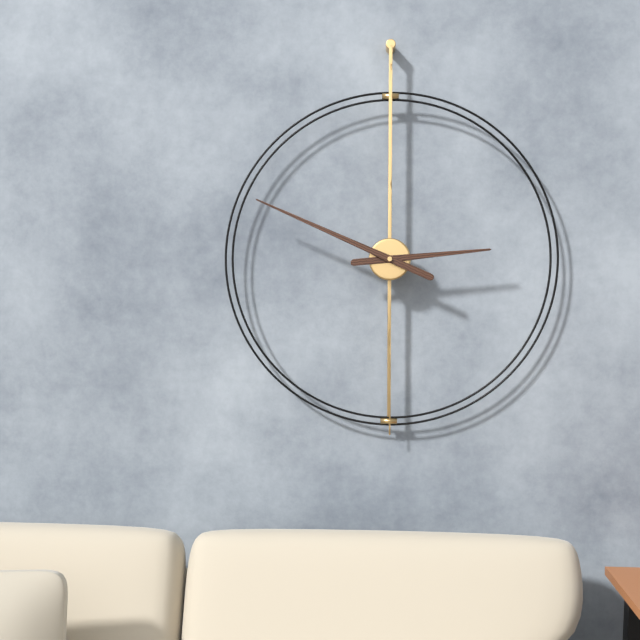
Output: 2h49
